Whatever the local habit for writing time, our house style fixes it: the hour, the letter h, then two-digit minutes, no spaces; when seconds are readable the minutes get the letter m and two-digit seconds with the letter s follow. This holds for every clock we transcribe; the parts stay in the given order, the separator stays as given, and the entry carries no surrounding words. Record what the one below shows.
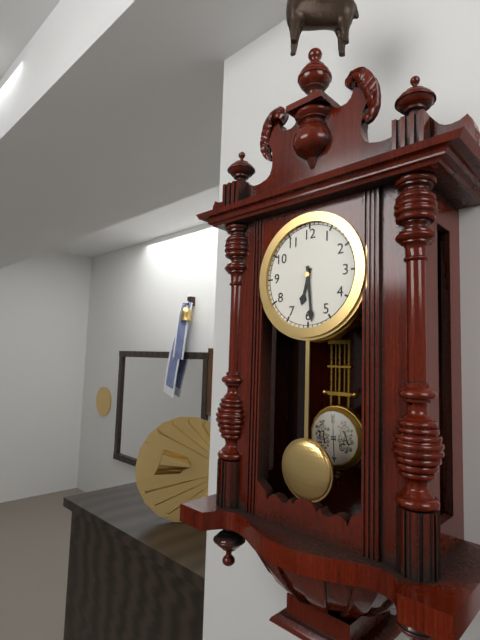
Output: 6h29
